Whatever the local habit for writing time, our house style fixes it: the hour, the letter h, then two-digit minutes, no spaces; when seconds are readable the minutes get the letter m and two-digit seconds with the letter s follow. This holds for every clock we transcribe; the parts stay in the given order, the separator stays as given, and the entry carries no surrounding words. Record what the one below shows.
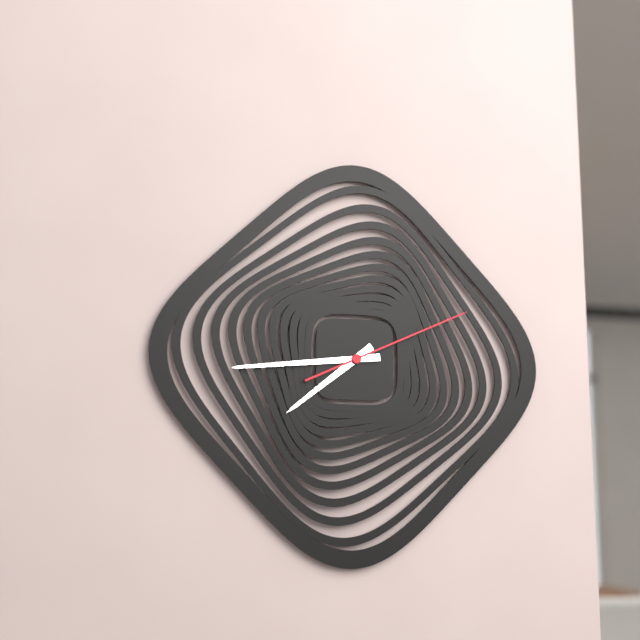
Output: 7h44m11s
